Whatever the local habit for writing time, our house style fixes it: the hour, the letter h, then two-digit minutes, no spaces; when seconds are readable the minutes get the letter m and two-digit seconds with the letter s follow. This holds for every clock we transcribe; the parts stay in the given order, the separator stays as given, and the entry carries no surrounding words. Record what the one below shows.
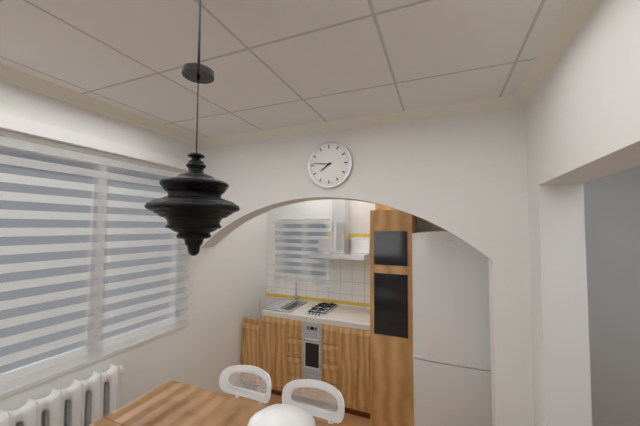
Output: 7h46
